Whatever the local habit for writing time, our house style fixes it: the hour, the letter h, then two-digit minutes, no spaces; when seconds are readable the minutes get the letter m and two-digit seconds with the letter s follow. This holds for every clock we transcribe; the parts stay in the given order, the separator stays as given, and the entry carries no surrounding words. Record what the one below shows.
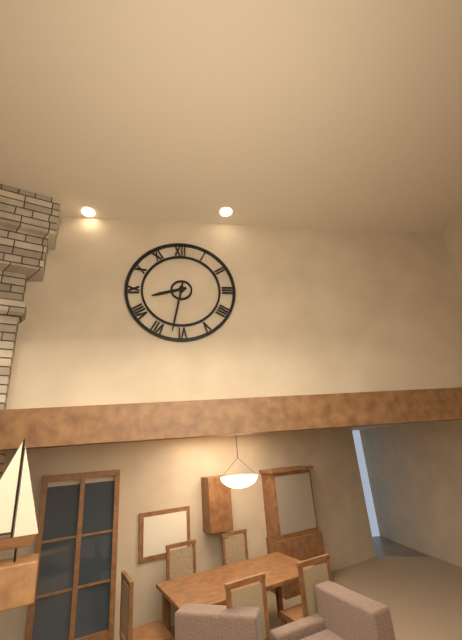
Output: 8h32
